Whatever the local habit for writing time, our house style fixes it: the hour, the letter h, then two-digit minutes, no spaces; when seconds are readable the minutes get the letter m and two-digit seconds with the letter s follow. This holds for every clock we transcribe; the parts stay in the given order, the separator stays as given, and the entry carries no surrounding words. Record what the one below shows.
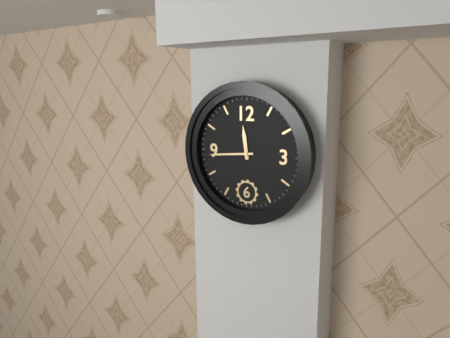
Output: 11h44
